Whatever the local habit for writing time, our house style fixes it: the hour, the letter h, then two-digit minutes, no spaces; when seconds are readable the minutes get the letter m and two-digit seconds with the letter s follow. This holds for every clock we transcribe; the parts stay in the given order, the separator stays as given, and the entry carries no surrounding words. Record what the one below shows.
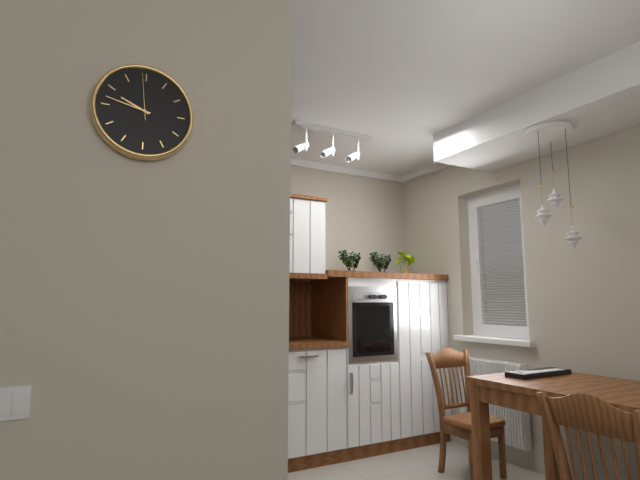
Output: 9h47m59s
